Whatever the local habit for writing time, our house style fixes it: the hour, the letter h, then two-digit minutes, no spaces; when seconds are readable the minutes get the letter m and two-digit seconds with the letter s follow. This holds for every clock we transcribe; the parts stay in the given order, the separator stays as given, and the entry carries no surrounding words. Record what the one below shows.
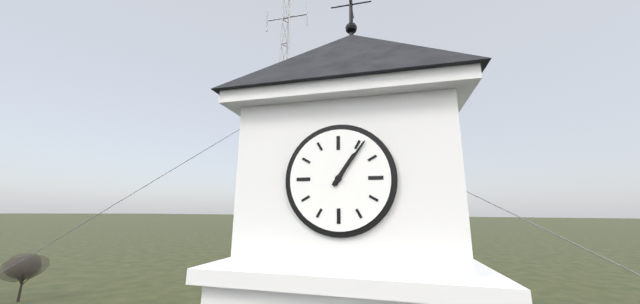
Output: 1h06
